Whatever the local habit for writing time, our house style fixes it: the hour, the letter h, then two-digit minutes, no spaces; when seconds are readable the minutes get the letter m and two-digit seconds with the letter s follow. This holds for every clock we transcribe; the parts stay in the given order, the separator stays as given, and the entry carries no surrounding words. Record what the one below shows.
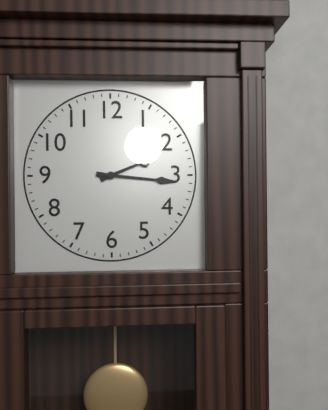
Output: 2h16
